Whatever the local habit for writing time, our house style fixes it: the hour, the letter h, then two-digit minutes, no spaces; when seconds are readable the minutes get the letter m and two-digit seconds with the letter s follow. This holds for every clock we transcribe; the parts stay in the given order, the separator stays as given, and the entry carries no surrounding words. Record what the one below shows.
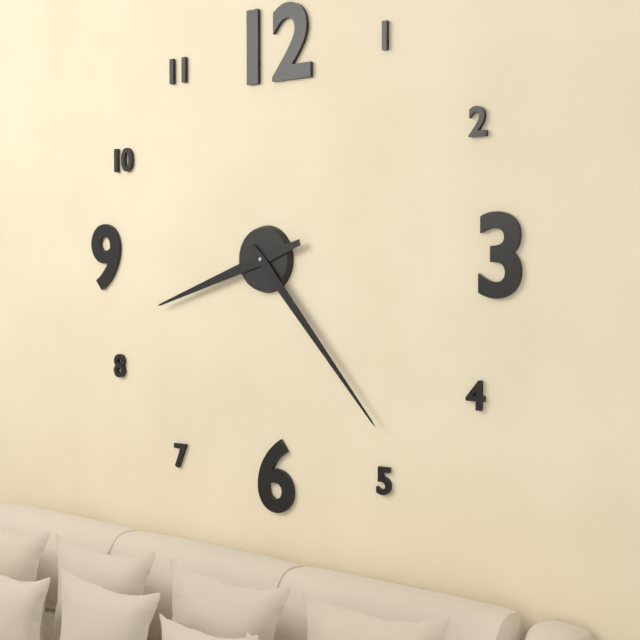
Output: 8h23
